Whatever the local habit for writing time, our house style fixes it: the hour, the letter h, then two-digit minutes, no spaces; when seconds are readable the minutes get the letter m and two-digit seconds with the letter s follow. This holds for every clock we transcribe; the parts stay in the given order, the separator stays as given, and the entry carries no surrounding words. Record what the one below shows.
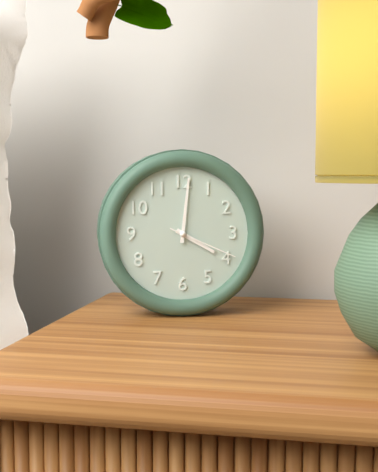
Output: 4h01m19s
